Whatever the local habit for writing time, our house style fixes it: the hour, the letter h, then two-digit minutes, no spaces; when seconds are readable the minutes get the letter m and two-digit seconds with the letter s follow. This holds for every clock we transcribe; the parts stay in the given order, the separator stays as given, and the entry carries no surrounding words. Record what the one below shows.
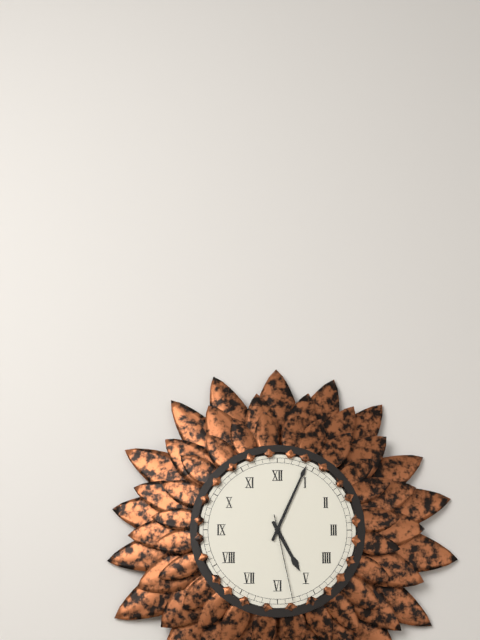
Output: 5h04m28s
